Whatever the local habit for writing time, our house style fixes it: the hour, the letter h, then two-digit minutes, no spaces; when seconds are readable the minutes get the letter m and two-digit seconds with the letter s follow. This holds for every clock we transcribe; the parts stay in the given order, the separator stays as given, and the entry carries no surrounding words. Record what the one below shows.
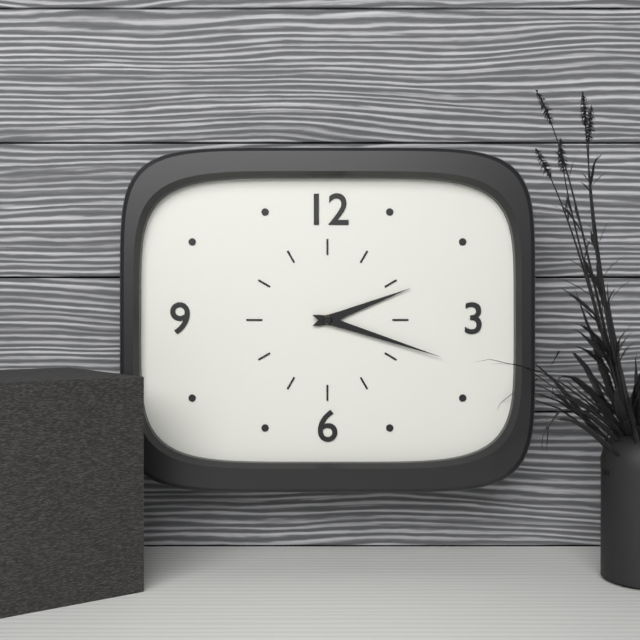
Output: 2h18
